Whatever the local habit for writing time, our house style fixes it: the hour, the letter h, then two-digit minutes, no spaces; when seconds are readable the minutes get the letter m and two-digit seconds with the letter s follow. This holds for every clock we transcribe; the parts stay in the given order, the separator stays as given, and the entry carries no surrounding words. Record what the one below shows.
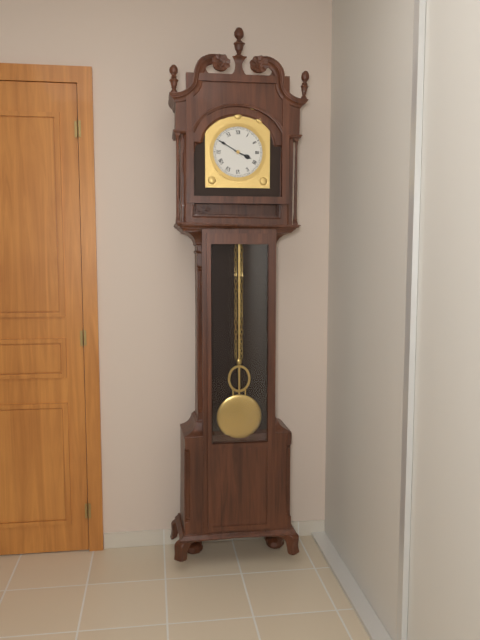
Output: 3h50
